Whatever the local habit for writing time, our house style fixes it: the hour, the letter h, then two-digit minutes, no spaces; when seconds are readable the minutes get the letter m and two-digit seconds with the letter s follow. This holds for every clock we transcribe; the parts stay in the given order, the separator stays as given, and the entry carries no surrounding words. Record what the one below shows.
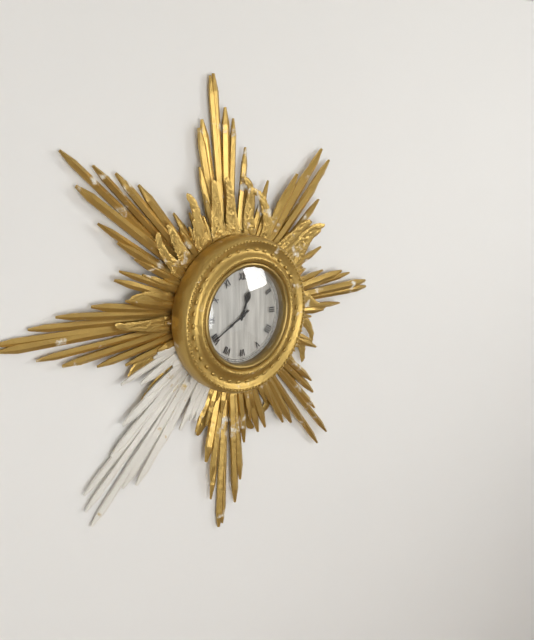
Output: 12h40
